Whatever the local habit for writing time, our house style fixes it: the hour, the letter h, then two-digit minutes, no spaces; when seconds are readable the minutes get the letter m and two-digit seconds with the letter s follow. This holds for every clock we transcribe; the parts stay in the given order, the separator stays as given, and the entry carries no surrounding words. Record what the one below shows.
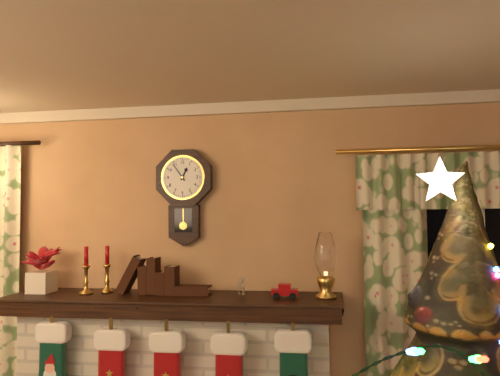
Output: 12h54
